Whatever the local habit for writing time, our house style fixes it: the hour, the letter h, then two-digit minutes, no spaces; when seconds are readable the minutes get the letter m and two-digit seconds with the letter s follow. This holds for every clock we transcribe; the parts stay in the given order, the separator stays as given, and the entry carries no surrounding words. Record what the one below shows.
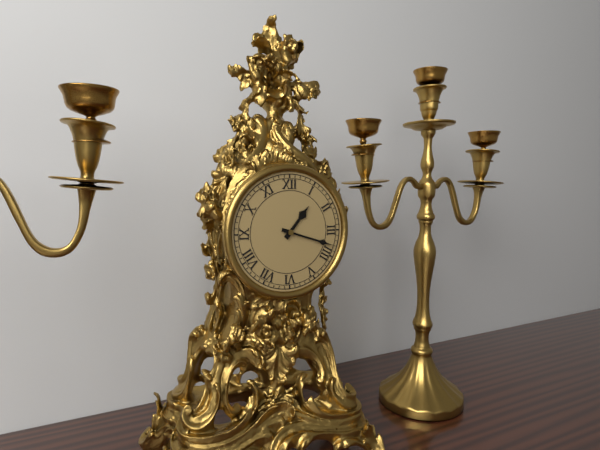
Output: 1h18
